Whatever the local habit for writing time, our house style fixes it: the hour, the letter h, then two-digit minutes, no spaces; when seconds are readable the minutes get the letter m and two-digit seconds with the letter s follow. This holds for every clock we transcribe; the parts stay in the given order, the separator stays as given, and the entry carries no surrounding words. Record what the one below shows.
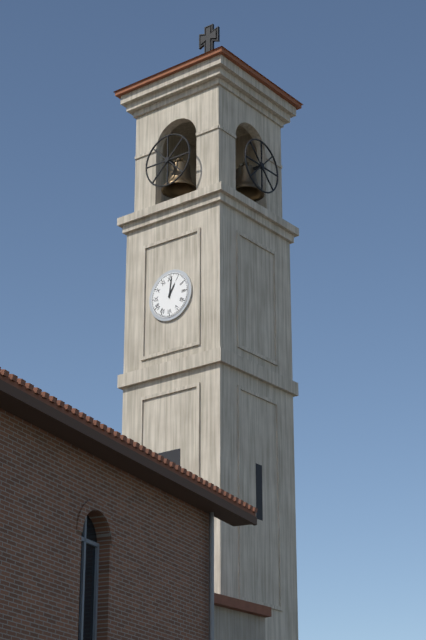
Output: 1h01
